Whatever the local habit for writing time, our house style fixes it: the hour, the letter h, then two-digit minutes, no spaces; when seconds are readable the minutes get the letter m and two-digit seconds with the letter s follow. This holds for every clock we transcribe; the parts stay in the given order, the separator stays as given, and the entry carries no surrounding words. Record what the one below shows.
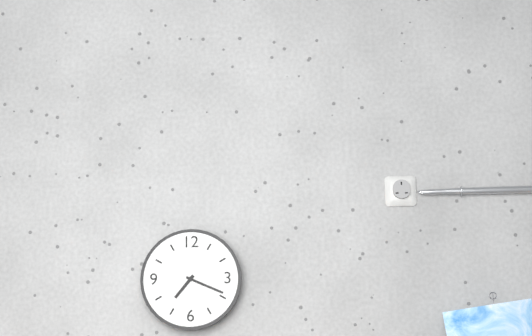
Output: 7h19
